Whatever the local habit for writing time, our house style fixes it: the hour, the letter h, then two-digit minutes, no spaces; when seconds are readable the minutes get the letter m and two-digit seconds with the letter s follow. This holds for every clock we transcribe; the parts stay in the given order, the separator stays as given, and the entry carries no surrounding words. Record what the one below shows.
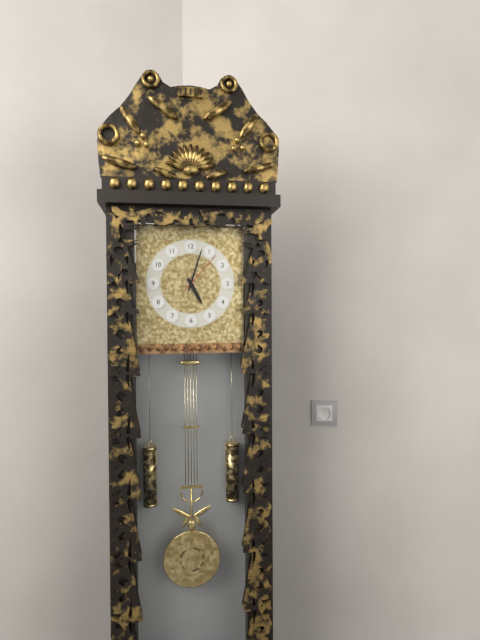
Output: 5h03
